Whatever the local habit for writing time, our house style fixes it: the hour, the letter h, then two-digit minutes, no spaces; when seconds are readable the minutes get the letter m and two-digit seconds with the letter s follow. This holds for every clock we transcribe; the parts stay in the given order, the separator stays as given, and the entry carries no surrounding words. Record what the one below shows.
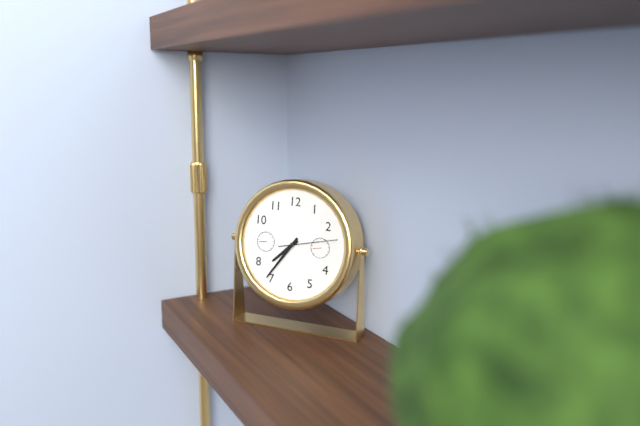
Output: 7h36m13s
